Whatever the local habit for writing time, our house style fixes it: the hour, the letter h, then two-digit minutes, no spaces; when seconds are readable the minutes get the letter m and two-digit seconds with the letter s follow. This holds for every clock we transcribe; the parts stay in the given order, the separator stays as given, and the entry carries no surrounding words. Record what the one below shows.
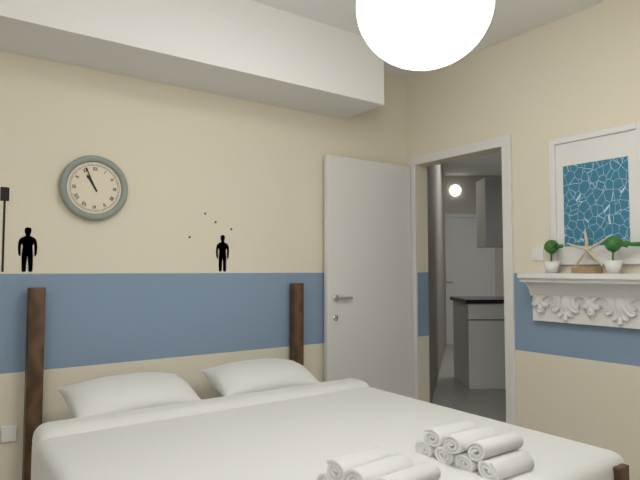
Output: 10h56
